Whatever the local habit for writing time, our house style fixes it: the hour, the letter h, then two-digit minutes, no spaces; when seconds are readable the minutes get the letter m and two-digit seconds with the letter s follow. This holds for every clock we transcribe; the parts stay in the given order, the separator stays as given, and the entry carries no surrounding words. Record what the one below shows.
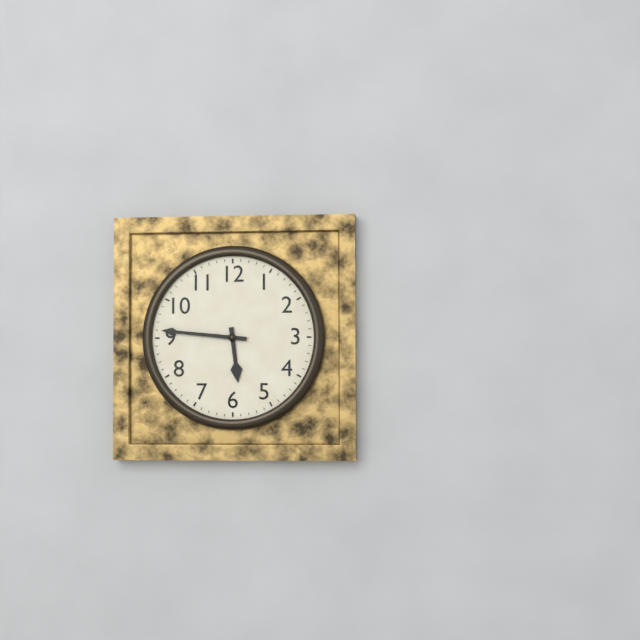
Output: 5h46
